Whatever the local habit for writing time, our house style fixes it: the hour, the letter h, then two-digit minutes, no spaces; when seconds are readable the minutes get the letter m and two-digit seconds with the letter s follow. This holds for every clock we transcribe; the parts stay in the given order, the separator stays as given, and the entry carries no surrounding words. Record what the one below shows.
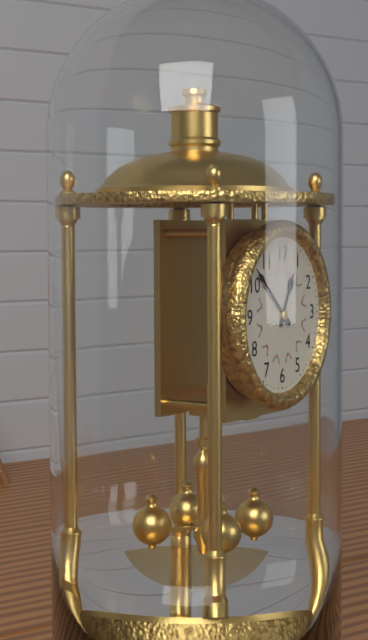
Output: 12h52
